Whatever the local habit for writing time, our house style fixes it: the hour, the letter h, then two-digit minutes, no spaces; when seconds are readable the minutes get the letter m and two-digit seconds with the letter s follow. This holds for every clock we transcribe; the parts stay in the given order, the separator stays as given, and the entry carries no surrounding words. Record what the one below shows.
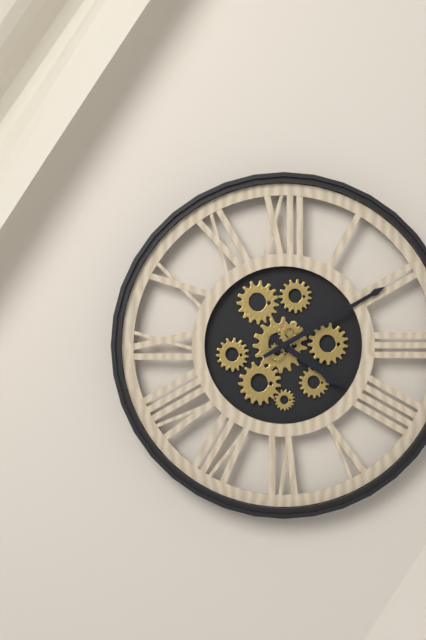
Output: 4h10
